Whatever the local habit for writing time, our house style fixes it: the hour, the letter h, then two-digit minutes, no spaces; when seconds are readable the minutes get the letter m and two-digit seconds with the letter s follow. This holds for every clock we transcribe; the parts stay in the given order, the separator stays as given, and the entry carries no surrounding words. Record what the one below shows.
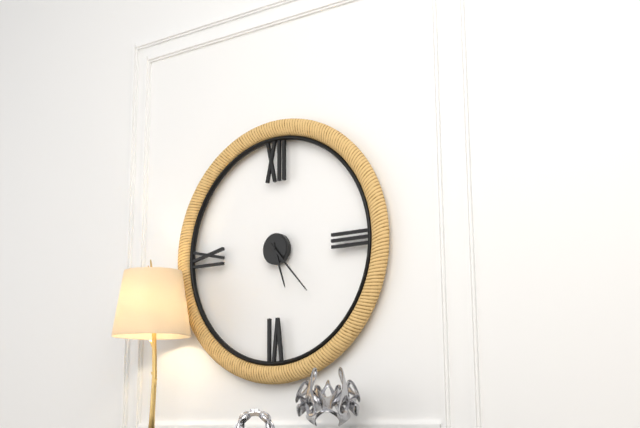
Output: 5h23
